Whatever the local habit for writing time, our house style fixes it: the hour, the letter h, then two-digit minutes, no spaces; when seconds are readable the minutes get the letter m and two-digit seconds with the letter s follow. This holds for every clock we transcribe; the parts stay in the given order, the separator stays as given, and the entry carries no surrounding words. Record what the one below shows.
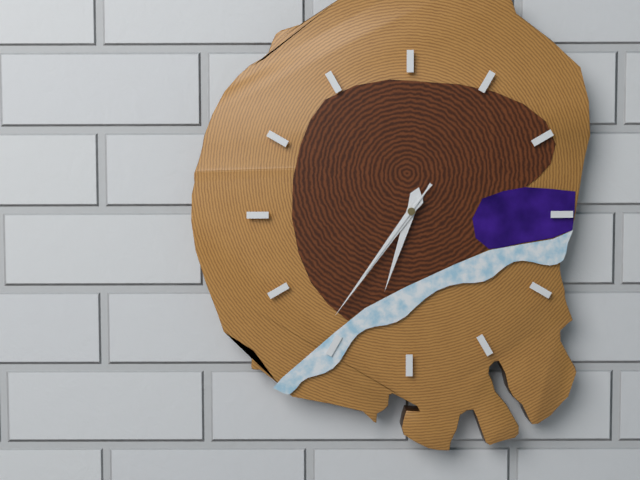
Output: 6h36m36s
